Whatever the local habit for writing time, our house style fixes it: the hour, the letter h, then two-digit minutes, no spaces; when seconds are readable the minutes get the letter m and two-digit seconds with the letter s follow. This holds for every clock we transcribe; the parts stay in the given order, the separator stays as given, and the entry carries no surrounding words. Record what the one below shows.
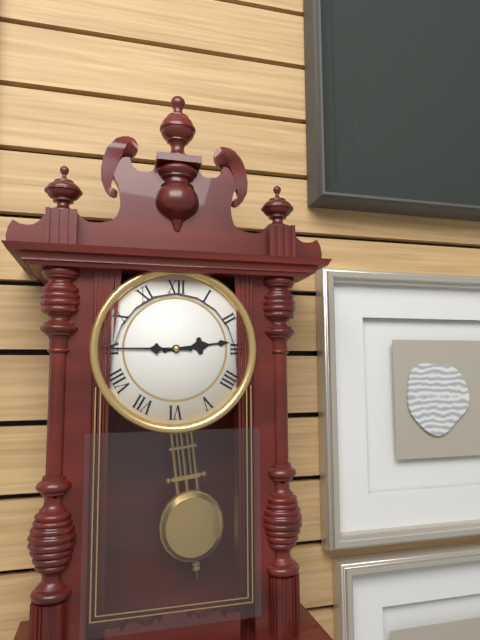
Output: 2h45
